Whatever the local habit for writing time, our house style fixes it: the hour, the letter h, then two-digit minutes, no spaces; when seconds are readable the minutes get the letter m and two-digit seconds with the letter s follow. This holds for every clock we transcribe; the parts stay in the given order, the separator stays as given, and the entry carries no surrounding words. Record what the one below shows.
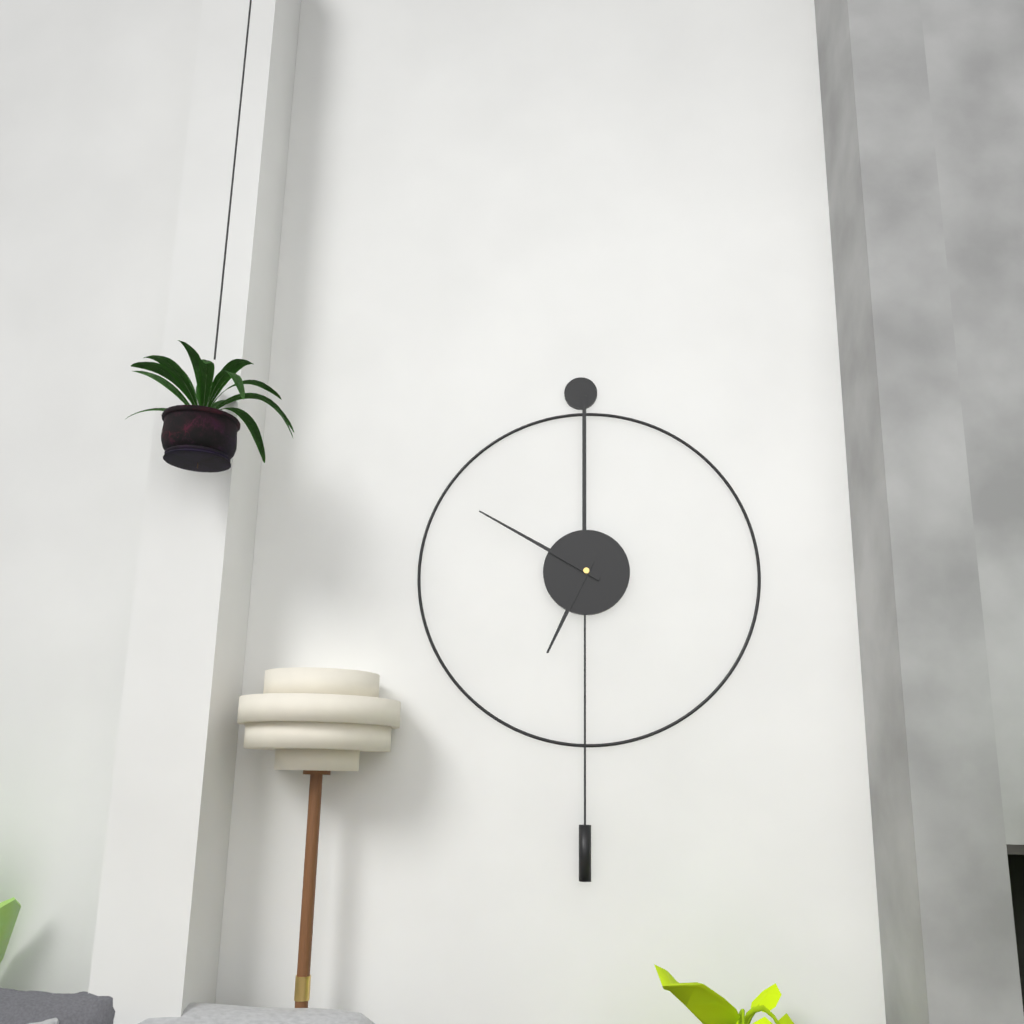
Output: 6h50
